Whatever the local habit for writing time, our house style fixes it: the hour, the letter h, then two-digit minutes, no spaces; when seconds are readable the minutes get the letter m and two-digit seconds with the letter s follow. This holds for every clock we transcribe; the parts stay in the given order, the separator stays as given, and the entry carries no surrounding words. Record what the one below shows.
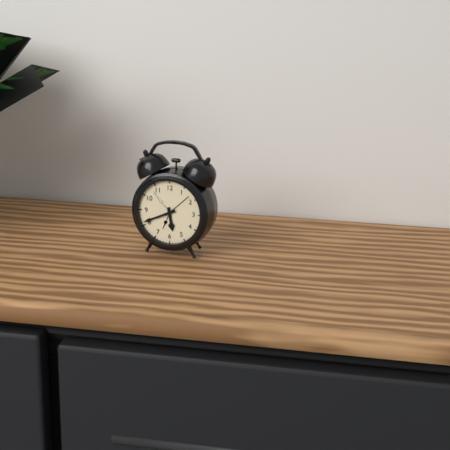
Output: 5h41
